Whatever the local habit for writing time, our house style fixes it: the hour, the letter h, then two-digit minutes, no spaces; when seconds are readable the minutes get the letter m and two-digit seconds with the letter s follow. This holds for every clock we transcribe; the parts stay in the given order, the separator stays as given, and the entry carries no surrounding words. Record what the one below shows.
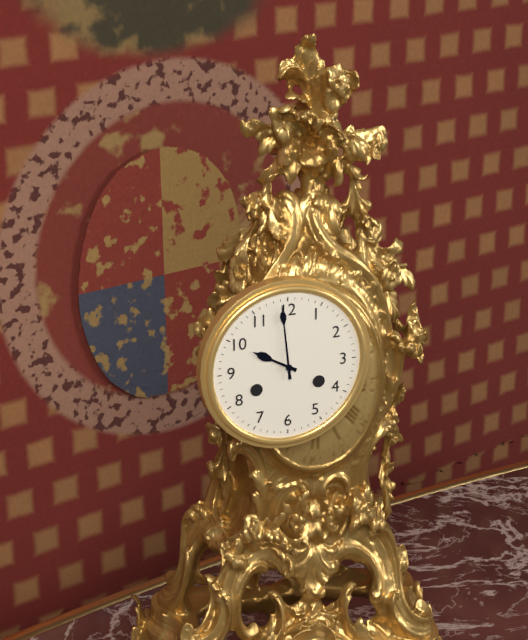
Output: 9h59
